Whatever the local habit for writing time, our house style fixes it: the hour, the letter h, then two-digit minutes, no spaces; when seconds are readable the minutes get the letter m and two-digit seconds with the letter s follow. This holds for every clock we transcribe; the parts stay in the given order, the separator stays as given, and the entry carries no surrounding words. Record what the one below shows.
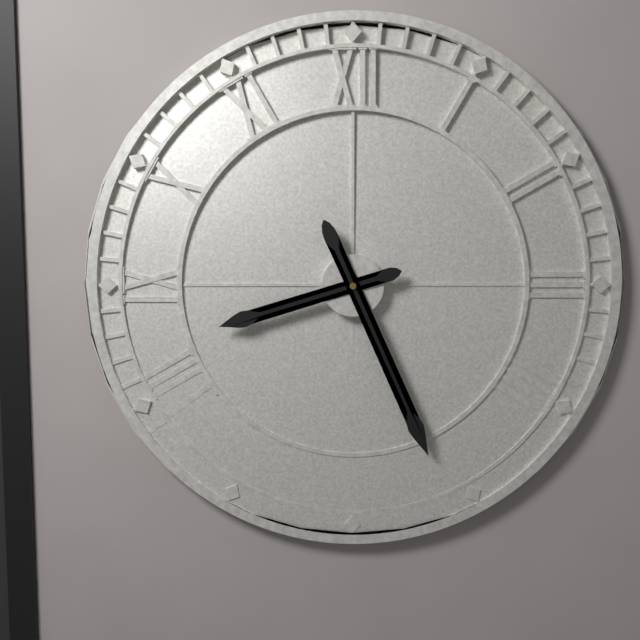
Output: 8h26
